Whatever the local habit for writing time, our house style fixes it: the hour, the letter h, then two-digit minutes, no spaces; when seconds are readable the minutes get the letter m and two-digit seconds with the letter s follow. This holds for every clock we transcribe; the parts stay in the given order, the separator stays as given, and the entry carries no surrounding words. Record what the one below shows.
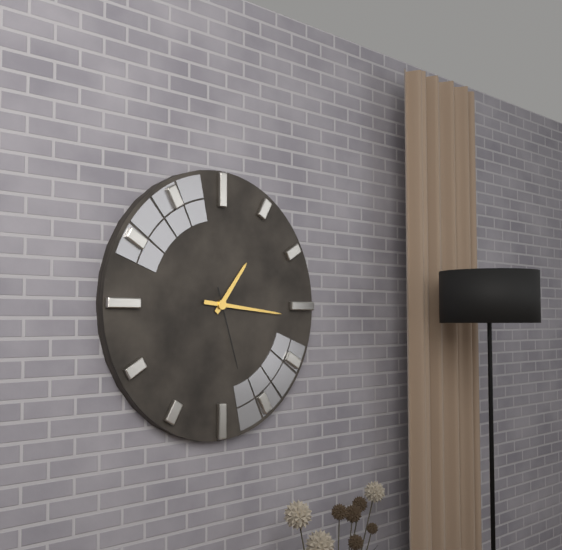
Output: 1h16m27s
